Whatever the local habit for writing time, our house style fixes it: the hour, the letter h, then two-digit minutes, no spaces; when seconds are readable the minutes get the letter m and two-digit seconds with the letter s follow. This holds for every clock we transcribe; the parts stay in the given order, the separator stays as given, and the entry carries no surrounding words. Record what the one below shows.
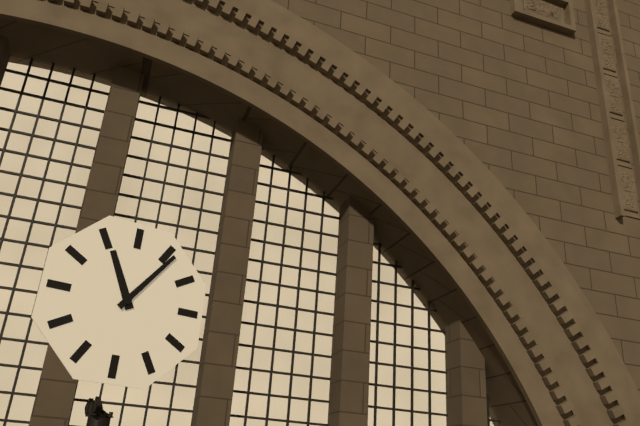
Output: 11h06
